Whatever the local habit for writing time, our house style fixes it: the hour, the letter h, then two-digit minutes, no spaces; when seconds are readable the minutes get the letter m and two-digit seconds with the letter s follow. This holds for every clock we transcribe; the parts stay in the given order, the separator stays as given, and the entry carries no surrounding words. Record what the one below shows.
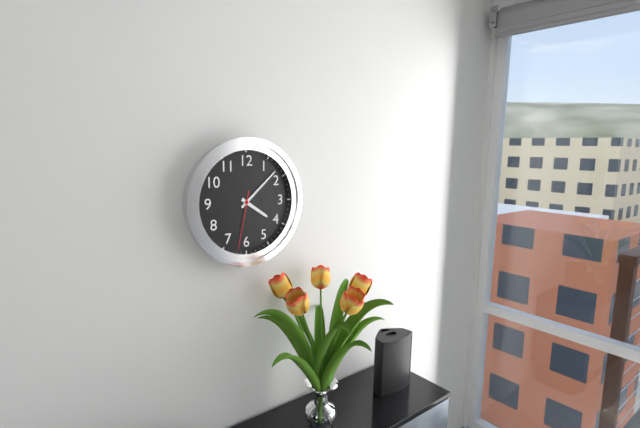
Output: 4h08m32s
